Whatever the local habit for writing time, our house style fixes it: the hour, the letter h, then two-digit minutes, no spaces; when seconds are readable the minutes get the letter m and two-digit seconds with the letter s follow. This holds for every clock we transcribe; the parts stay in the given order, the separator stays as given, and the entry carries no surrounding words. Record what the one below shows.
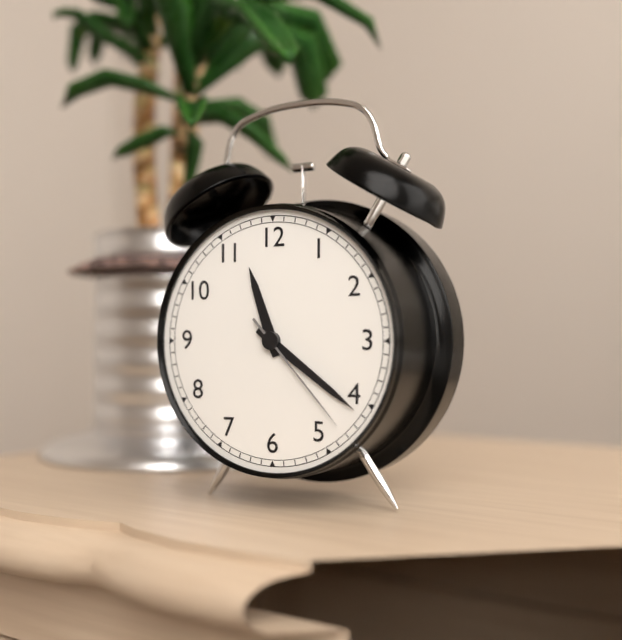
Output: 11h21m23s
